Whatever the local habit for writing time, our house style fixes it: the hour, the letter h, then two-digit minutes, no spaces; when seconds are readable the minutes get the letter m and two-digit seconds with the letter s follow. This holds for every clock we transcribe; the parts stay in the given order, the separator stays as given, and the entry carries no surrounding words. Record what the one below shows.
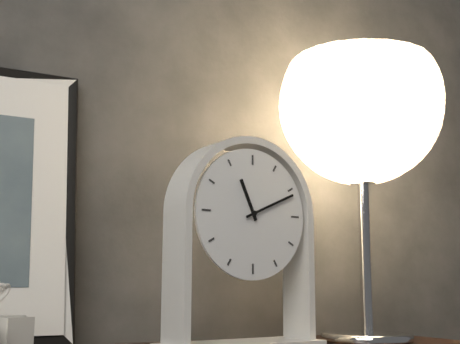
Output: 11h11
